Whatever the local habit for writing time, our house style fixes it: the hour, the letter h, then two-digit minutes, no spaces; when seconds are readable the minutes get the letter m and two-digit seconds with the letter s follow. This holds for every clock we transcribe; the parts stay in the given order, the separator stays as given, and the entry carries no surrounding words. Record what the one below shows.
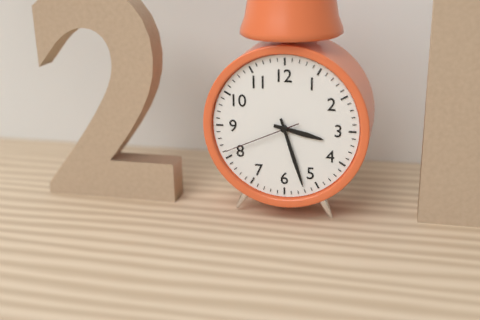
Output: 3h27m41s
